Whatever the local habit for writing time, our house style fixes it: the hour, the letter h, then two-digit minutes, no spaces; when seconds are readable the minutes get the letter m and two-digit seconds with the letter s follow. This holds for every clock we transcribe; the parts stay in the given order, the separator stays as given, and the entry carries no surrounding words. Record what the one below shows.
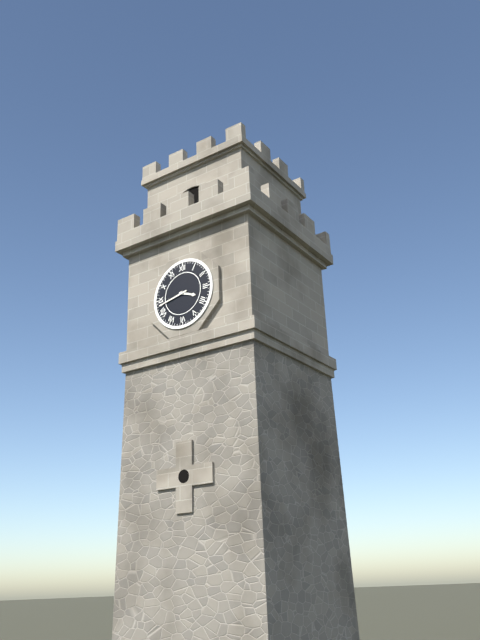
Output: 3h43
